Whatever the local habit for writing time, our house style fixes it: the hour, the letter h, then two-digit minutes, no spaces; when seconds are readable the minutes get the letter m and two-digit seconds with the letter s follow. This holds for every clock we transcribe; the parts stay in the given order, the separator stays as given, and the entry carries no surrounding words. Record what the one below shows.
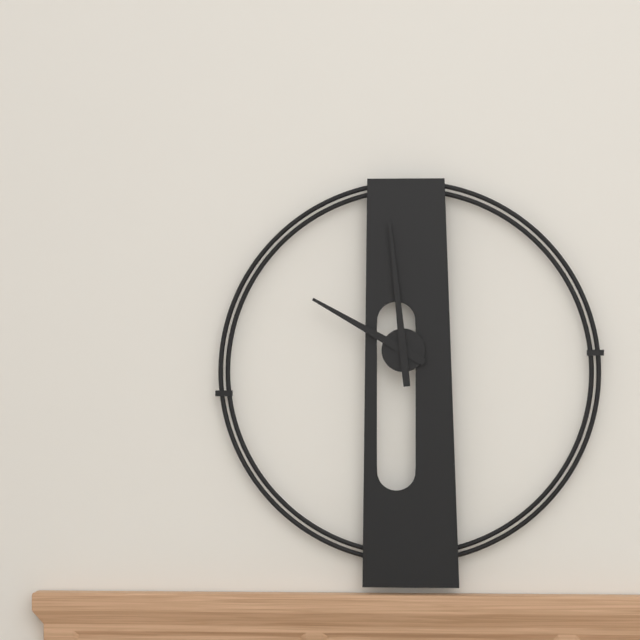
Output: 9h59
